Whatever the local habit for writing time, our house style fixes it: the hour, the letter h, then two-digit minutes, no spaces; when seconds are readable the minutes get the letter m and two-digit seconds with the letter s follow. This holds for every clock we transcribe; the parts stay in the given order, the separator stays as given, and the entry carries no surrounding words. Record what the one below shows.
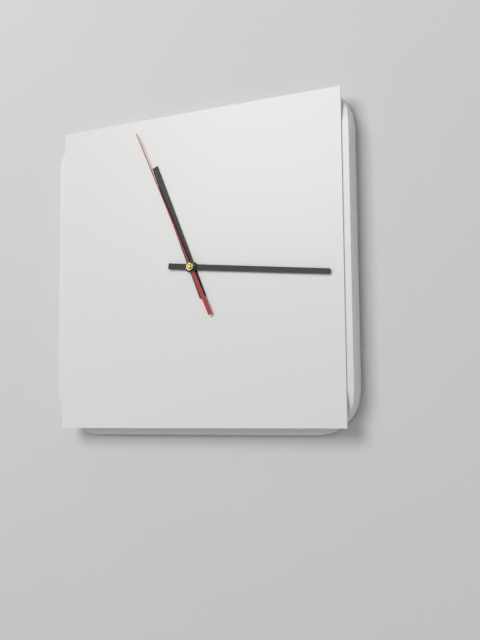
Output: 11h16m56s
